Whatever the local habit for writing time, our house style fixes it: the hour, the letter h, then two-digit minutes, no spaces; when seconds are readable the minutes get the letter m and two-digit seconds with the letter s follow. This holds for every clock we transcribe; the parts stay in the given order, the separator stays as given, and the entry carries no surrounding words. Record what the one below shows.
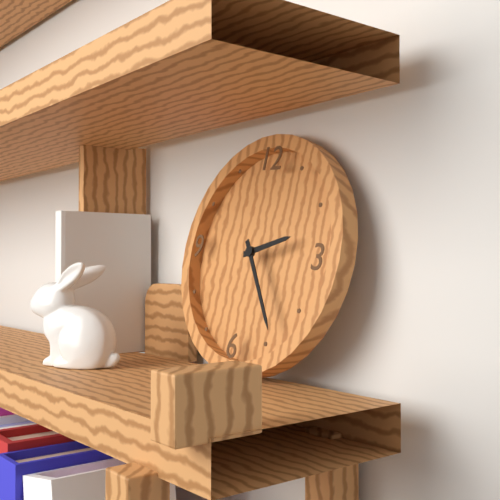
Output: 2h24
